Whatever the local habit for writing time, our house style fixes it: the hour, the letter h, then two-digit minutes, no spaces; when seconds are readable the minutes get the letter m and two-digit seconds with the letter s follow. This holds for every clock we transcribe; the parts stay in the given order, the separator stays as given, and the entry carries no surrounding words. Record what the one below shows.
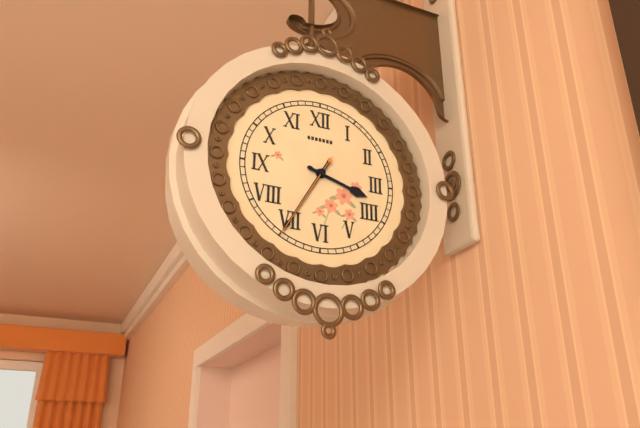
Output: 3h35m35s
